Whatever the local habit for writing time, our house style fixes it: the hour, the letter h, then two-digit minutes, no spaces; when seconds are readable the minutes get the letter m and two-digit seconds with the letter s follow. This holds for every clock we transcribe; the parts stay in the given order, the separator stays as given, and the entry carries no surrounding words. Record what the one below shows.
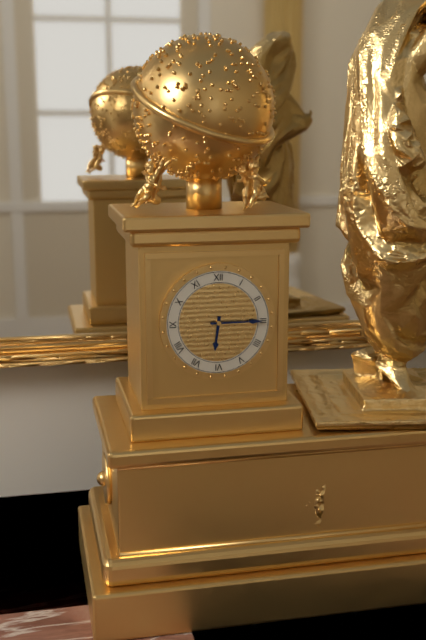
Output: 6h15
